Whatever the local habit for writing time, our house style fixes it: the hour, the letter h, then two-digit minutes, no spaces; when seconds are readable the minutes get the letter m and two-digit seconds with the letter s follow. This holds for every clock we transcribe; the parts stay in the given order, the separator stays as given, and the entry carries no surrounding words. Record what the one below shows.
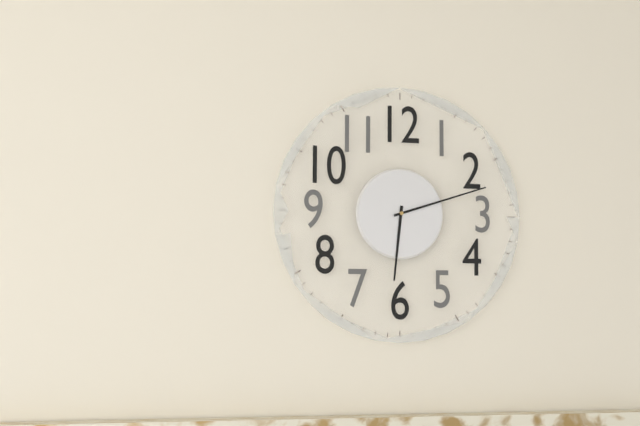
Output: 6h12
